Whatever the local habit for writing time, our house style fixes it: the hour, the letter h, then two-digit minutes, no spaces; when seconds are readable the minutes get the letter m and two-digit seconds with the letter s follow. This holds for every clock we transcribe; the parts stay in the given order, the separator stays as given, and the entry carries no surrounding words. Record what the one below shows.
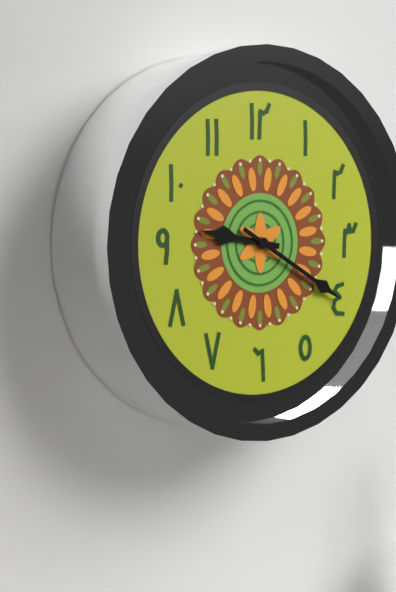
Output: 9h20
